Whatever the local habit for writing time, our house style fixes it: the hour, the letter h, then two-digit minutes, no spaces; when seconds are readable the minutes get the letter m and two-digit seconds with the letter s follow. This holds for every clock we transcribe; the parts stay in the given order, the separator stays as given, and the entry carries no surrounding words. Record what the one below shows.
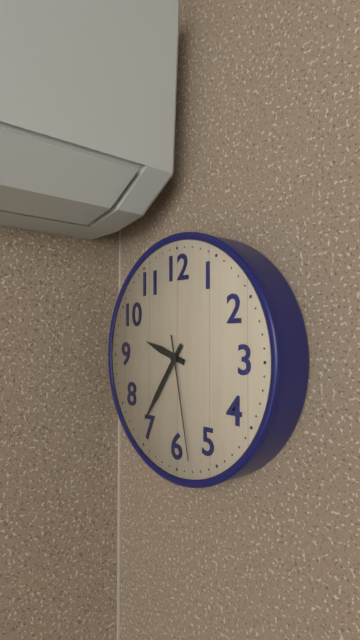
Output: 9h36m28s
